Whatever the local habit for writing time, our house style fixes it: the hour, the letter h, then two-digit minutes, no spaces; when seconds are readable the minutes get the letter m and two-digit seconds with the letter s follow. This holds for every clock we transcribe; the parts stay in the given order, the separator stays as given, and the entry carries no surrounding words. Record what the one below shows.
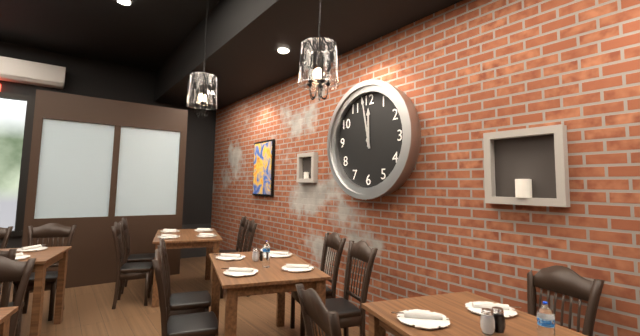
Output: 11h58
